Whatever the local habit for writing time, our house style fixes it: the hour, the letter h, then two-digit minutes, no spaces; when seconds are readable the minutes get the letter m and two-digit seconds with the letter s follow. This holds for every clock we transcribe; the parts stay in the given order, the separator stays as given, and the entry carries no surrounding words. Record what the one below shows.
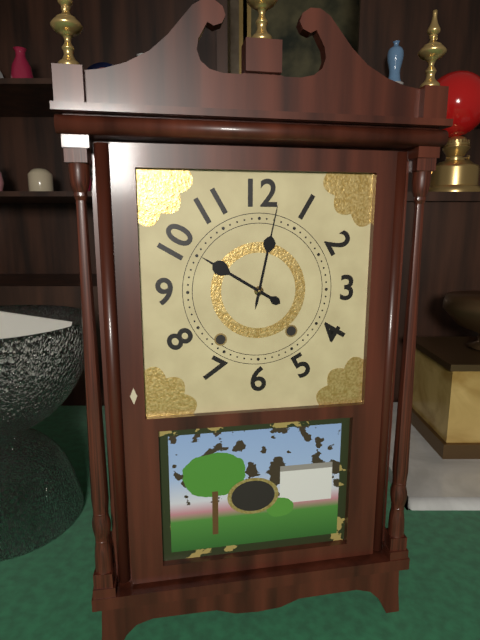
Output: 10h02
